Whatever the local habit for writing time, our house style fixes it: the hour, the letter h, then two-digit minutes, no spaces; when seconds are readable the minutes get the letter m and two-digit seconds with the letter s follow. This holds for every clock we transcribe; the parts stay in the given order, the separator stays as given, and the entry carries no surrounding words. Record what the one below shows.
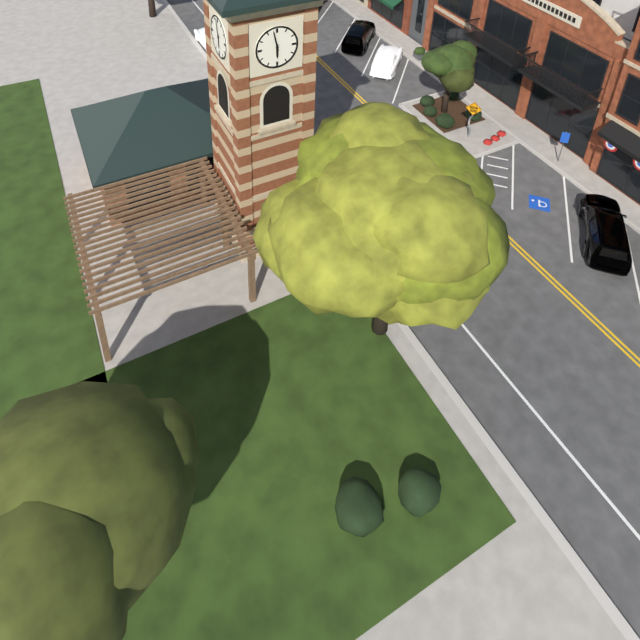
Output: 5h58
